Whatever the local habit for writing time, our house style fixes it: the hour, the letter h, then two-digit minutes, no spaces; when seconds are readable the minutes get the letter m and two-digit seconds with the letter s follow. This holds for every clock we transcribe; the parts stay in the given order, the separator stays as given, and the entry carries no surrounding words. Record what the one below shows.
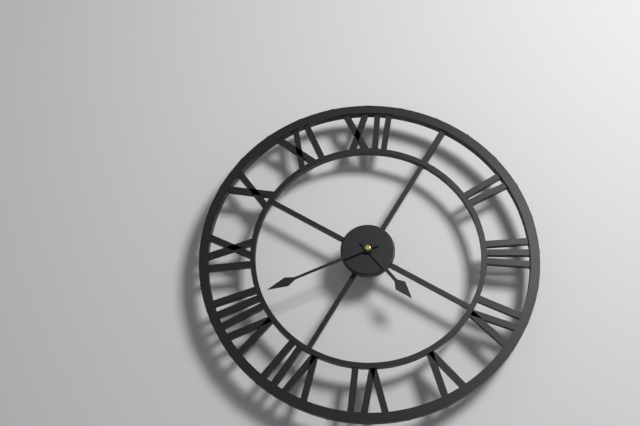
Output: 4h41
